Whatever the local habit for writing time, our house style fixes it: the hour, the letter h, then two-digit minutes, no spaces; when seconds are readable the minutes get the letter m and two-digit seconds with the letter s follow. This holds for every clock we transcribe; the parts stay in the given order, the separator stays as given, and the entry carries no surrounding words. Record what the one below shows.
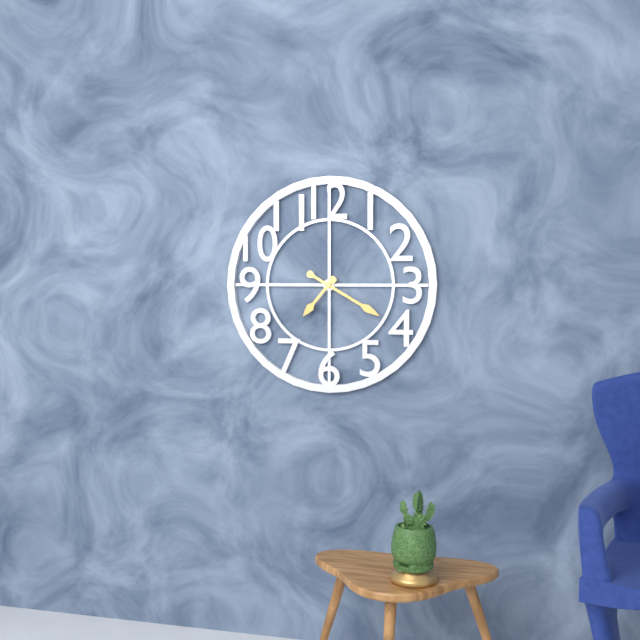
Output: 7h20
